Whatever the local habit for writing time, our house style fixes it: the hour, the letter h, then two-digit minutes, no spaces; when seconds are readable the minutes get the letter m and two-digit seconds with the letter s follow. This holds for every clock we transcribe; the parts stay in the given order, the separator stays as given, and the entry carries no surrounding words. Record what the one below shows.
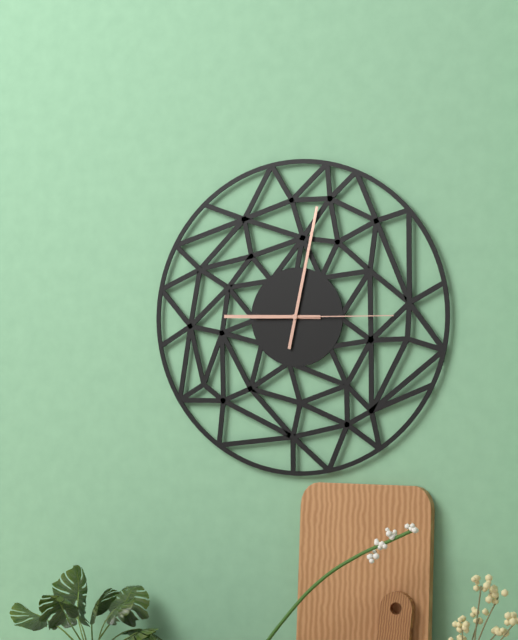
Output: 9h02m15s
